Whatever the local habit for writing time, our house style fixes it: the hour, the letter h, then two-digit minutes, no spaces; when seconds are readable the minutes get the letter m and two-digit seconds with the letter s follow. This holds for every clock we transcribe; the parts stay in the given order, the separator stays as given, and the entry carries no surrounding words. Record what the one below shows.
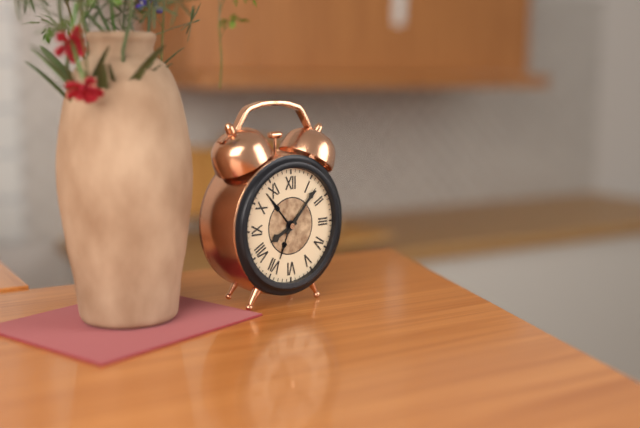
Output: 8h07
